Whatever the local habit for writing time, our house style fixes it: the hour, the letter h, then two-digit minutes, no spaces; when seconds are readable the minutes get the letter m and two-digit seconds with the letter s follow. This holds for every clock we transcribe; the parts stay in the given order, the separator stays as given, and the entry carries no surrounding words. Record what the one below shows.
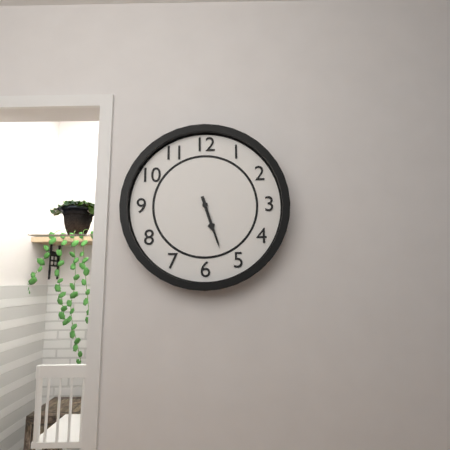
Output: 5h27
